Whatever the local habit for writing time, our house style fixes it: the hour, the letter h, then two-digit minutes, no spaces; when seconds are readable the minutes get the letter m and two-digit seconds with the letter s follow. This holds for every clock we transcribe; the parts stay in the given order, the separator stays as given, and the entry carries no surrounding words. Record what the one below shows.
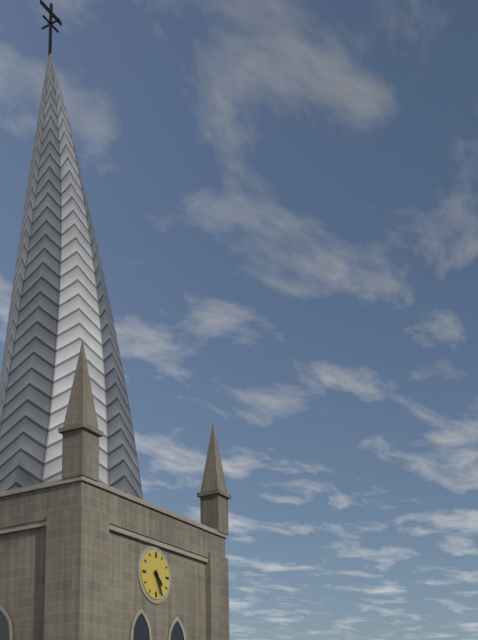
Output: 4h26
